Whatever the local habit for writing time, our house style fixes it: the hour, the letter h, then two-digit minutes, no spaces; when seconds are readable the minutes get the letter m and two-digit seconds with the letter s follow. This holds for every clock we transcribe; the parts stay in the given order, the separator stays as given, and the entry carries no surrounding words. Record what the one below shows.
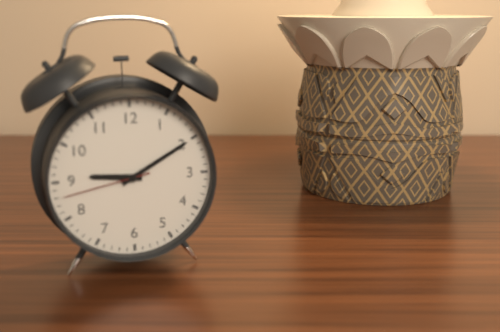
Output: 9h10m43s
